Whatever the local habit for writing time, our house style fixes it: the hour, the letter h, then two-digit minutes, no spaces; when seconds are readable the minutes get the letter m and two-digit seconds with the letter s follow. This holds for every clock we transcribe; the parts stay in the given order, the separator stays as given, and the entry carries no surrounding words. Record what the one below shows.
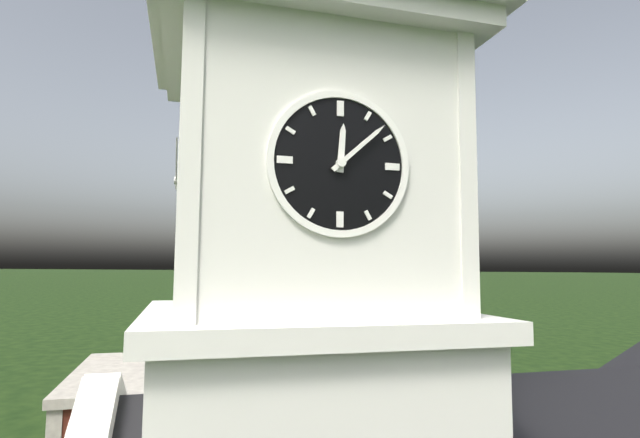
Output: 12h08
